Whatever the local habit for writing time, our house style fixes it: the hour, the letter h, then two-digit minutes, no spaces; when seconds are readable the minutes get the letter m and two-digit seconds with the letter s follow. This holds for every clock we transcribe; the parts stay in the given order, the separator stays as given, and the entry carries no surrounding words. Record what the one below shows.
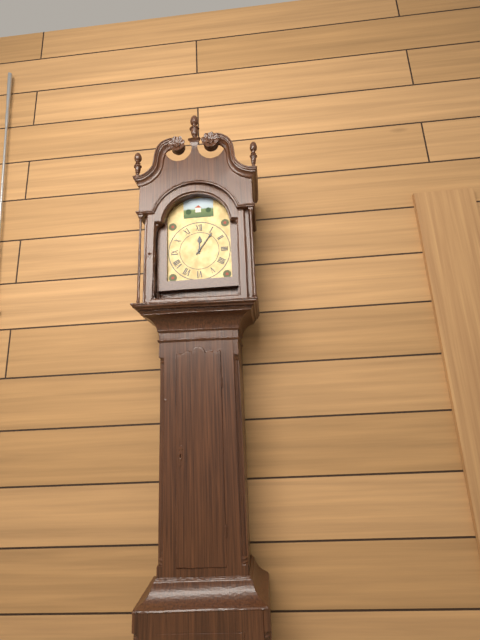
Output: 12h06
